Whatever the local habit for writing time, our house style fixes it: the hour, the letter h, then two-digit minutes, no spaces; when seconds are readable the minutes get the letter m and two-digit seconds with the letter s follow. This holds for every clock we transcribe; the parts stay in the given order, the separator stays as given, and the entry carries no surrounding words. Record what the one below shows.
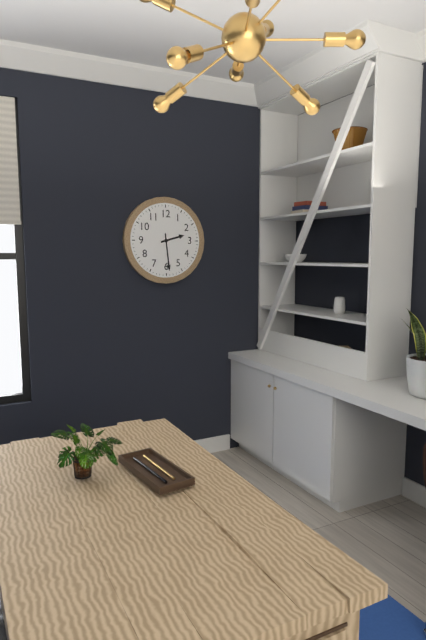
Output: 2h29
